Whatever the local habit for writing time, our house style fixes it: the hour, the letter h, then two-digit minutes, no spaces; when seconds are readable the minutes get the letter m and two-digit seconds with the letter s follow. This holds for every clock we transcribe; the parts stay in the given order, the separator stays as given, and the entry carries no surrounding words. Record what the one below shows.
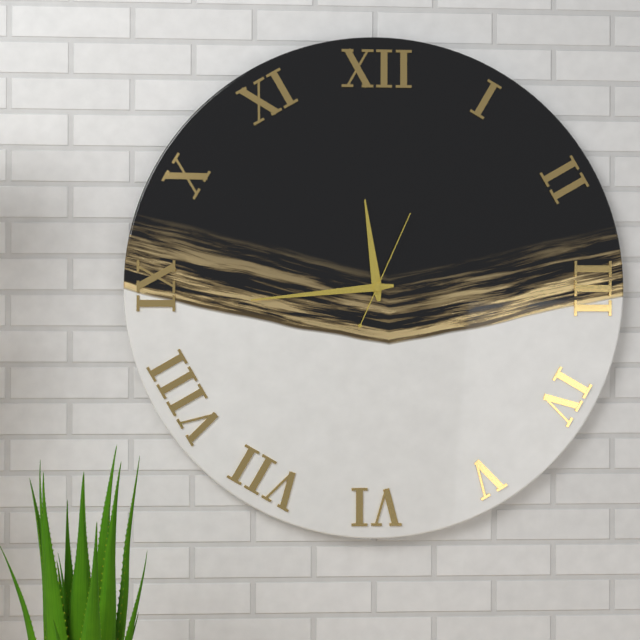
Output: 11h44m04s
